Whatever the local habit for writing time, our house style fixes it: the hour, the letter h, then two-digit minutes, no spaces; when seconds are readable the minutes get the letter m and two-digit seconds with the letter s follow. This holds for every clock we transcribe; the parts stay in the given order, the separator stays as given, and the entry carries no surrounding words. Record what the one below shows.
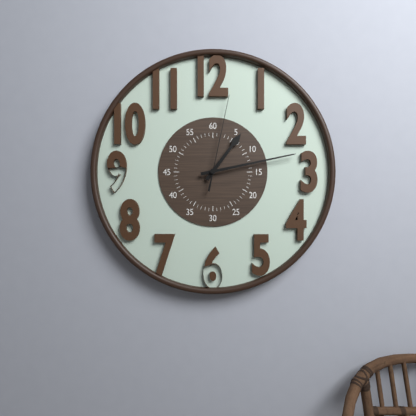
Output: 1h13m02s
